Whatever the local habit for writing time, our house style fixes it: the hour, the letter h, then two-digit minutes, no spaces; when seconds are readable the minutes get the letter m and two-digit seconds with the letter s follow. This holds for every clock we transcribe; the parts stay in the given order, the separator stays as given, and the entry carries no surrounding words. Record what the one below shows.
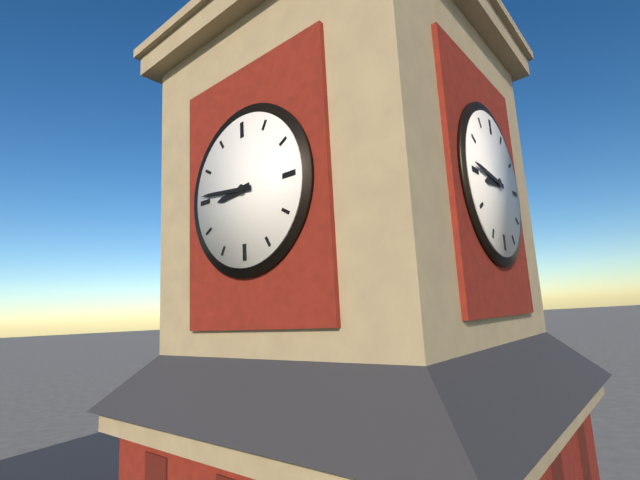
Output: 8h46
